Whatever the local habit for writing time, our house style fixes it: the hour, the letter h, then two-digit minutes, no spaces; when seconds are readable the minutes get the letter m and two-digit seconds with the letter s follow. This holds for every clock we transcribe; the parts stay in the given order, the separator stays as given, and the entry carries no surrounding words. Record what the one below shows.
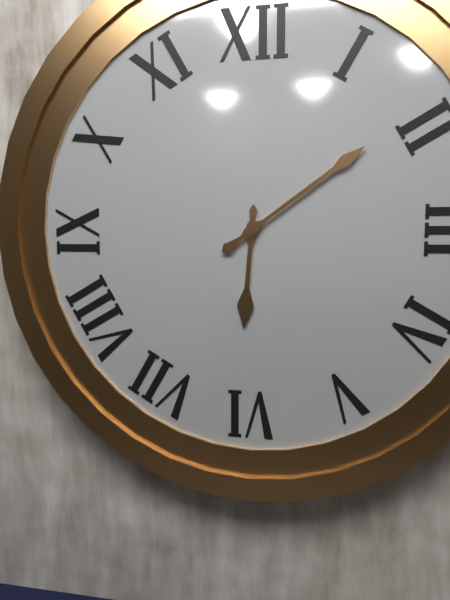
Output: 6h09
